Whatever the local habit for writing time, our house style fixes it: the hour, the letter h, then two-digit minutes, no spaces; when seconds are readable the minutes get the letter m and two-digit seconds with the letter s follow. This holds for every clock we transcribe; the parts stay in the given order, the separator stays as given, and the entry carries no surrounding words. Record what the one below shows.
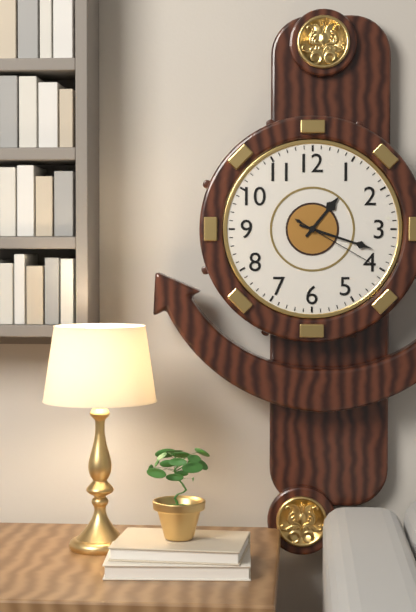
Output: 1h18m20s
